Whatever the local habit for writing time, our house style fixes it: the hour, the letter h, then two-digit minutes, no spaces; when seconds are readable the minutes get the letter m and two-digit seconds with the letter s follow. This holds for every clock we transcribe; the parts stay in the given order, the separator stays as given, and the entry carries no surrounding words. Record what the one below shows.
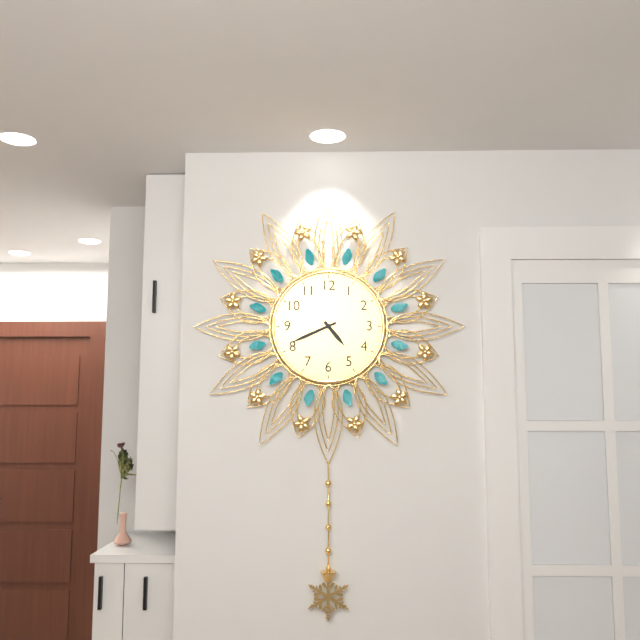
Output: 4h41
